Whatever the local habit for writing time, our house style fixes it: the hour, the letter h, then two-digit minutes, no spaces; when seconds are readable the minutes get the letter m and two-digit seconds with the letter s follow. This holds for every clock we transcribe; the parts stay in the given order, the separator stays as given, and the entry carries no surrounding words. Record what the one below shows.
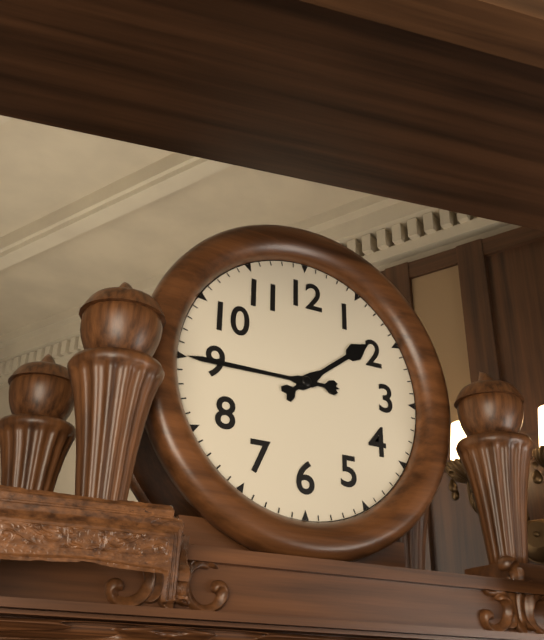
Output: 1h45
